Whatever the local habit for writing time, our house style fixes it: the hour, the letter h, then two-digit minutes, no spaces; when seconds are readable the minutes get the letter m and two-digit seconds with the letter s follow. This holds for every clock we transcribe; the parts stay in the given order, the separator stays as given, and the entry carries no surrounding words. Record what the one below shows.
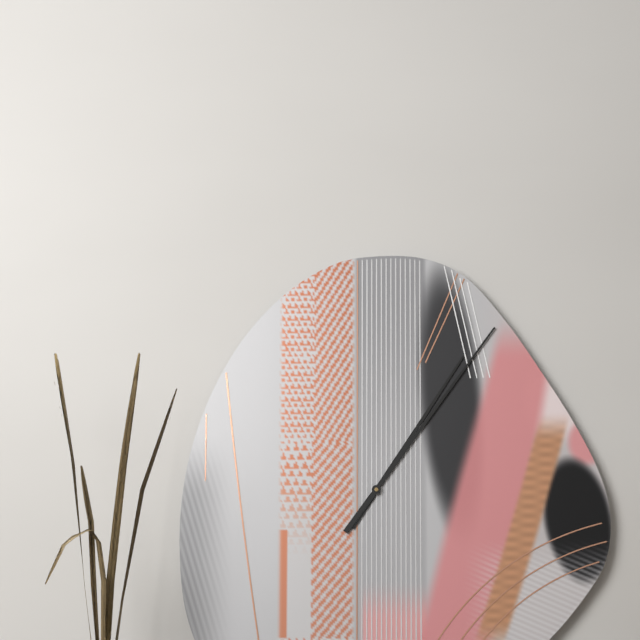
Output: 1h06
